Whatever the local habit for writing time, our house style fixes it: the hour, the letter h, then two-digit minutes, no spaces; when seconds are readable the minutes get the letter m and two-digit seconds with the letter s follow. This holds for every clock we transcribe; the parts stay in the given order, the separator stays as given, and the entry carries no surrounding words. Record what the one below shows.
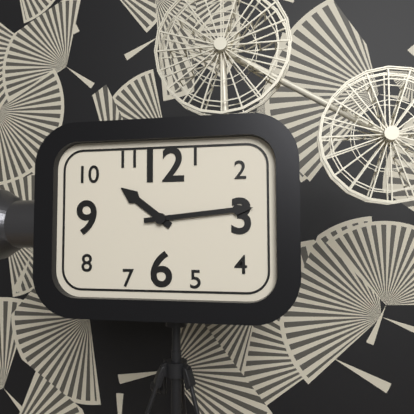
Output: 10h14
